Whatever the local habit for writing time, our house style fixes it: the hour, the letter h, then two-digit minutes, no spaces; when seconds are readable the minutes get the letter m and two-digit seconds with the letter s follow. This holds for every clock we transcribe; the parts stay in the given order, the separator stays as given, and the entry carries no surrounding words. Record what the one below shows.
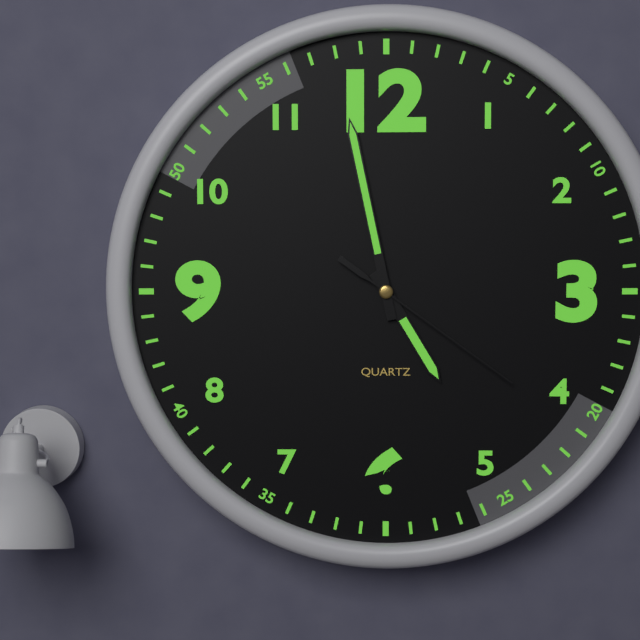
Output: 4h58m21s
